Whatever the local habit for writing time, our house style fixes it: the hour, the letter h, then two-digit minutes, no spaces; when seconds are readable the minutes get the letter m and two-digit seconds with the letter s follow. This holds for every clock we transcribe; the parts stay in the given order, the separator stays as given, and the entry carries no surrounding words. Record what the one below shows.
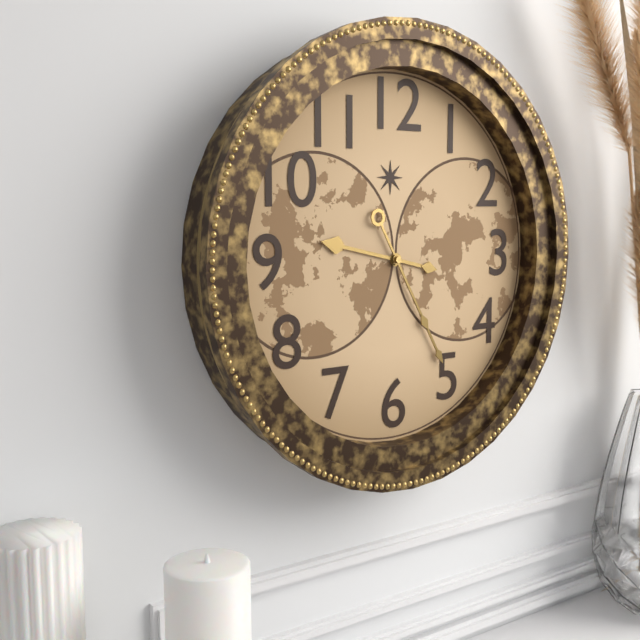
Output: 9h25
